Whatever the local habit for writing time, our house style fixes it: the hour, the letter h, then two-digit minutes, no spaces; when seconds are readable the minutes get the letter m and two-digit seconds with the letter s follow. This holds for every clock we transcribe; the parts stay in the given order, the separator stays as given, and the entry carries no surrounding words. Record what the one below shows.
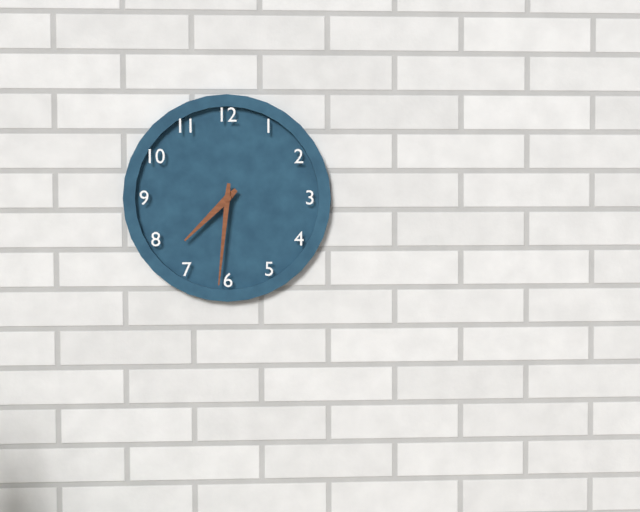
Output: 7h31
